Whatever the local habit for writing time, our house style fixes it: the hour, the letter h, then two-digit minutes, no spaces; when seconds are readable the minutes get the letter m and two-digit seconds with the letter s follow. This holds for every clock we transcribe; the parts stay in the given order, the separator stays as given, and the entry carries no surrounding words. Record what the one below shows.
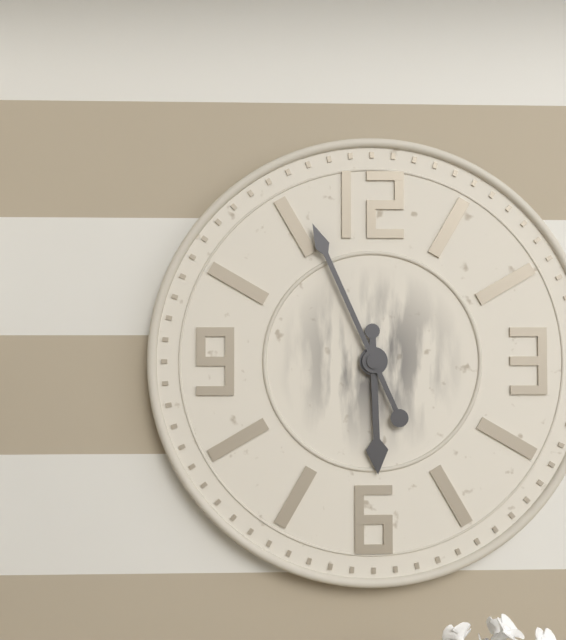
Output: 5h56
